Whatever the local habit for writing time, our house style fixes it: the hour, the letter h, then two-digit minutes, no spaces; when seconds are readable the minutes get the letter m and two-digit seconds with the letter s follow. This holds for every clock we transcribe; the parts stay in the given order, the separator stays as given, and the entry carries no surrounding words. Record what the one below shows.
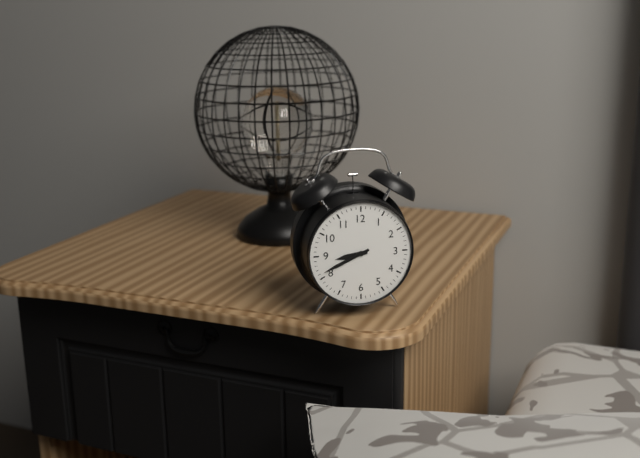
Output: 8h41
